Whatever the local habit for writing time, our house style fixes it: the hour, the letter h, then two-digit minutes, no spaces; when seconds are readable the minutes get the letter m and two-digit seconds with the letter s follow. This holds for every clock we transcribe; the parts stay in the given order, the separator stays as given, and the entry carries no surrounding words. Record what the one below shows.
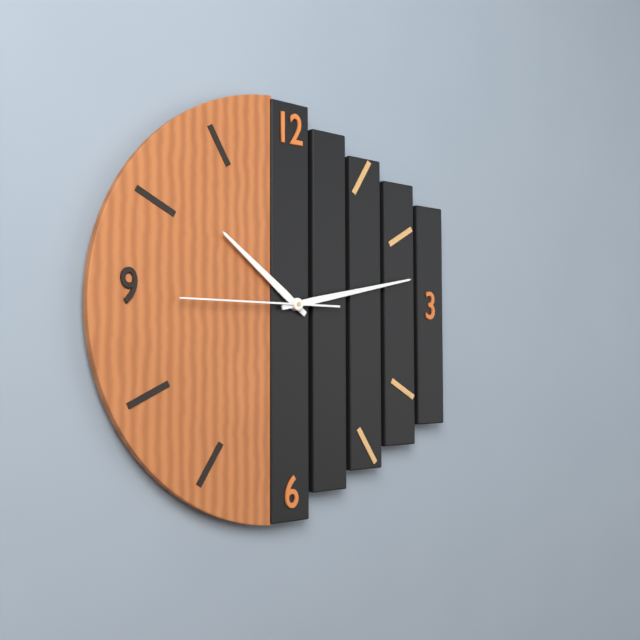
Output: 10h13m45s
